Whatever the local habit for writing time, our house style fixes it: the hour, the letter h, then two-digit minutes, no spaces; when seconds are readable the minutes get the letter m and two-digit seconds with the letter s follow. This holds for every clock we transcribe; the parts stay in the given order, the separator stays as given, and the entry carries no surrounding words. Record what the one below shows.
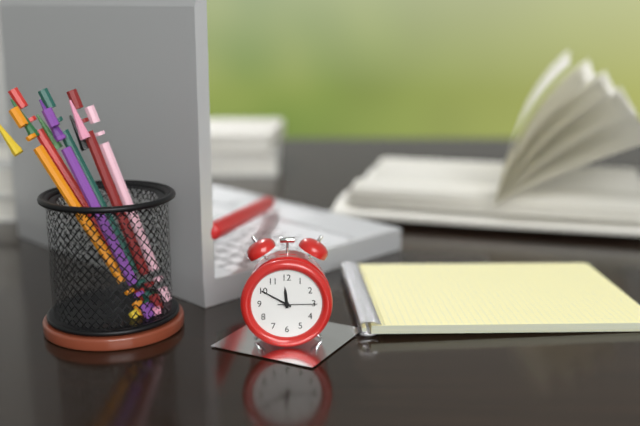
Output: 11h50
